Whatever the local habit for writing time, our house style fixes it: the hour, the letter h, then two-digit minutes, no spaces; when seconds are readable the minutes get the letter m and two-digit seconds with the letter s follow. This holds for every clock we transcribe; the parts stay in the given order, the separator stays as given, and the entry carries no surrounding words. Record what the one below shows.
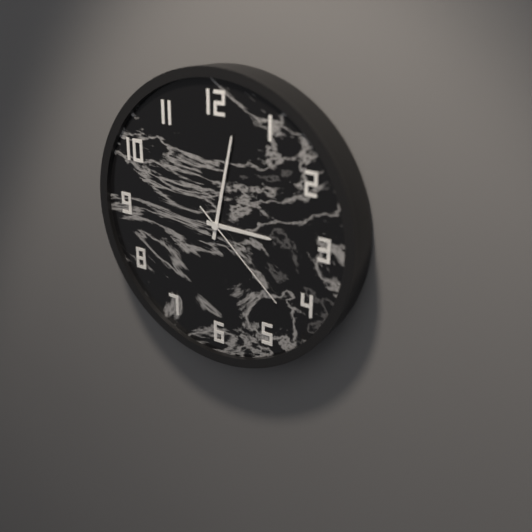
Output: 3h02m22s
